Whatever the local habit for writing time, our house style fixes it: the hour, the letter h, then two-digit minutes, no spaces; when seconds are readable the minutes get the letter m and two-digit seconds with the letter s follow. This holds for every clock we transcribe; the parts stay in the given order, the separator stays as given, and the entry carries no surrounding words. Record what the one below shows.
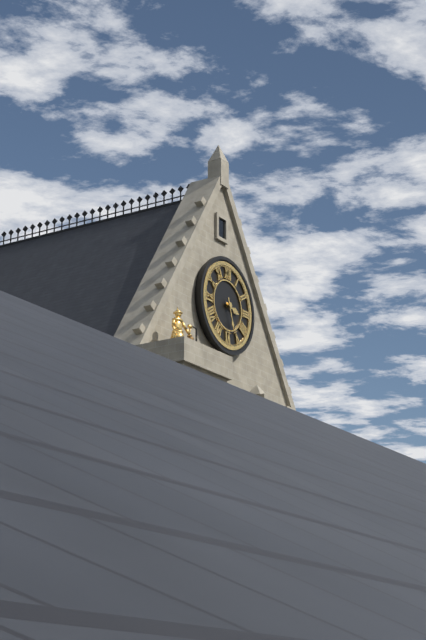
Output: 3h27
